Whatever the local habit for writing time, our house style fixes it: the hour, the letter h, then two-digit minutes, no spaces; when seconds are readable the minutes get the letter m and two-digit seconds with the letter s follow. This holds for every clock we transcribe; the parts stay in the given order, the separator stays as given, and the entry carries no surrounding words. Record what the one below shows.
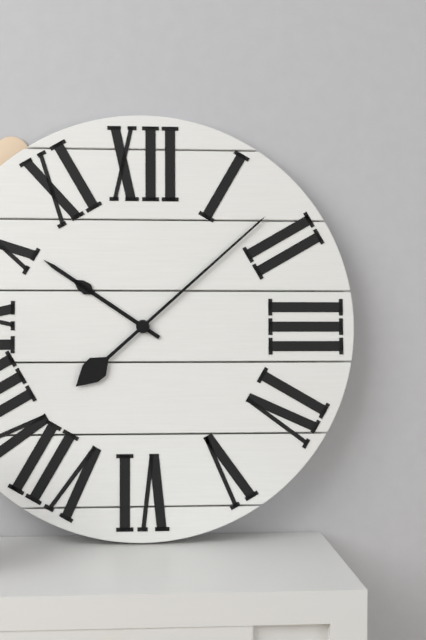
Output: 10h08
